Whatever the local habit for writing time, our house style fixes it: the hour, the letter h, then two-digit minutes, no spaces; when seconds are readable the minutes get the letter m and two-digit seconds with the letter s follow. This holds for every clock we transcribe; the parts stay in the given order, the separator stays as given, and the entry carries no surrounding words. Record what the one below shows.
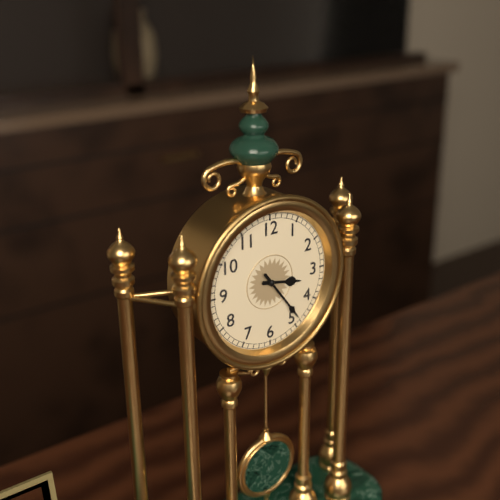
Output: 3h24
